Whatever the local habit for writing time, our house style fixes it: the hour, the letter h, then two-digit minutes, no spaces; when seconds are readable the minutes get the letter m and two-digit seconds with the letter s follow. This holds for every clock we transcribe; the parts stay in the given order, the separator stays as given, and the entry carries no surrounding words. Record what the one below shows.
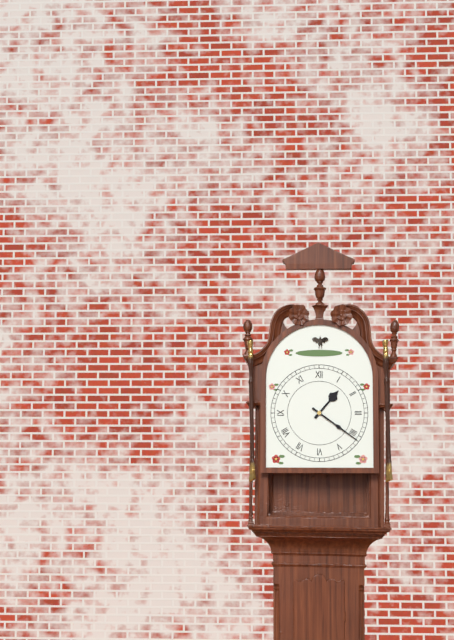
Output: 1h21
